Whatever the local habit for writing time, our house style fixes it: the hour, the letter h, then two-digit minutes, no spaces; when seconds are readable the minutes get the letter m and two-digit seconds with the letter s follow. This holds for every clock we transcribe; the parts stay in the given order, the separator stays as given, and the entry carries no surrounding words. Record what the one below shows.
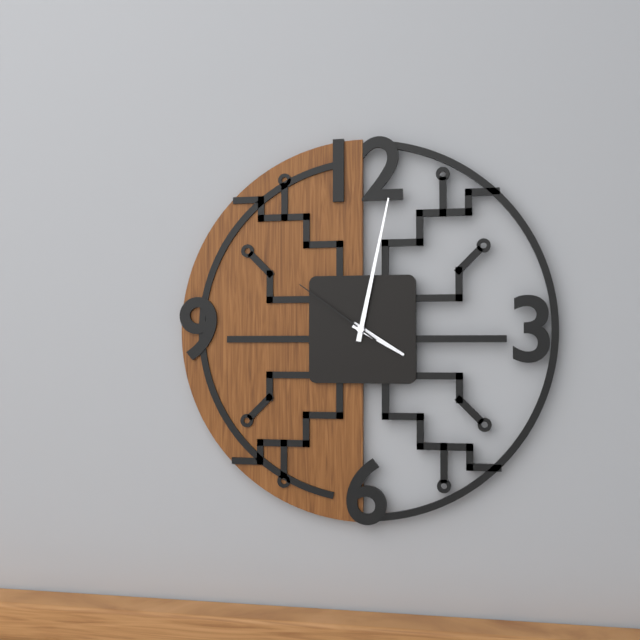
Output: 4h02m51s
